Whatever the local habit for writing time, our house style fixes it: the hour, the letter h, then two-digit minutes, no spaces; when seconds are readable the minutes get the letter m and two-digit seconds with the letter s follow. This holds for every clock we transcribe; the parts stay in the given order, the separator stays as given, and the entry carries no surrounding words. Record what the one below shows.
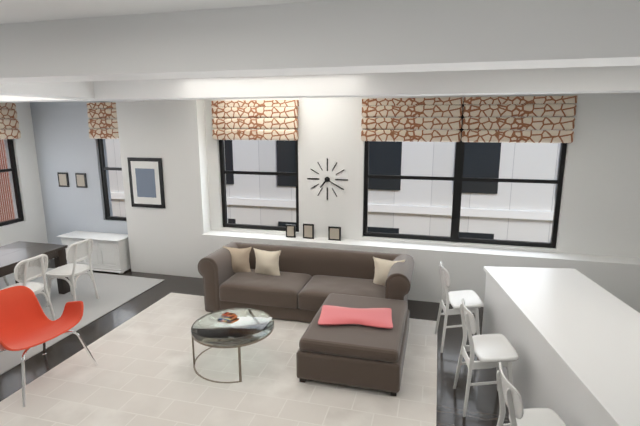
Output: 7h20
